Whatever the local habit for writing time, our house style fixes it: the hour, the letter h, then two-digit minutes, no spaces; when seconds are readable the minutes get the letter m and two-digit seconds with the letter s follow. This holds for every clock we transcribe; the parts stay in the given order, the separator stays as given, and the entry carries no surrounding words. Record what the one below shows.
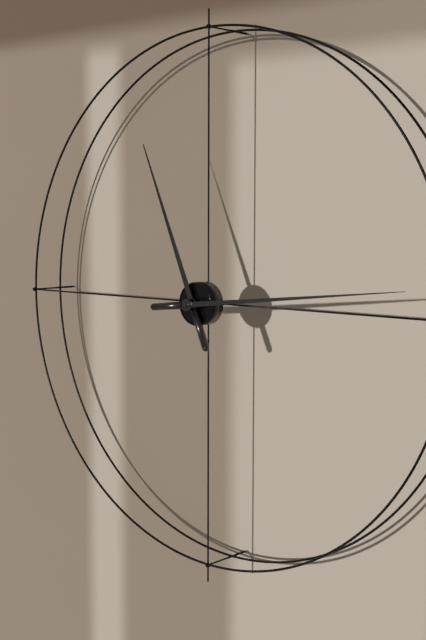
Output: 11h14
